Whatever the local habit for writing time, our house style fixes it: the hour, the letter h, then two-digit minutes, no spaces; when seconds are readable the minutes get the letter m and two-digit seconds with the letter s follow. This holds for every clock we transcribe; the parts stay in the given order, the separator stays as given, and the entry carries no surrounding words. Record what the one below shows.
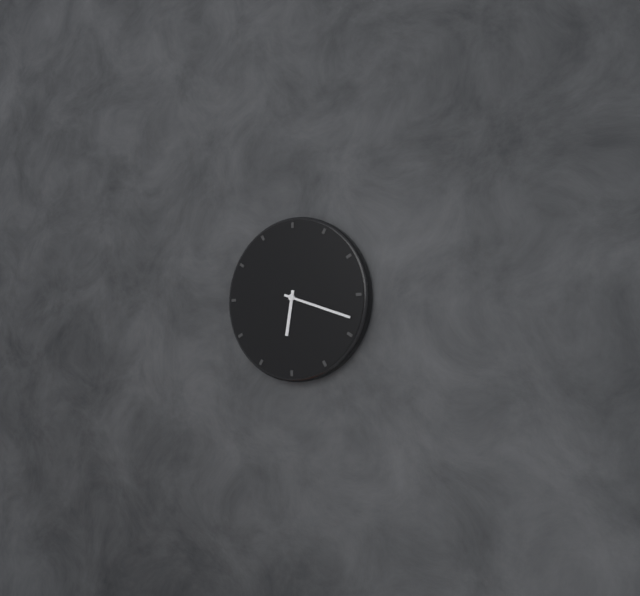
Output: 6h18
